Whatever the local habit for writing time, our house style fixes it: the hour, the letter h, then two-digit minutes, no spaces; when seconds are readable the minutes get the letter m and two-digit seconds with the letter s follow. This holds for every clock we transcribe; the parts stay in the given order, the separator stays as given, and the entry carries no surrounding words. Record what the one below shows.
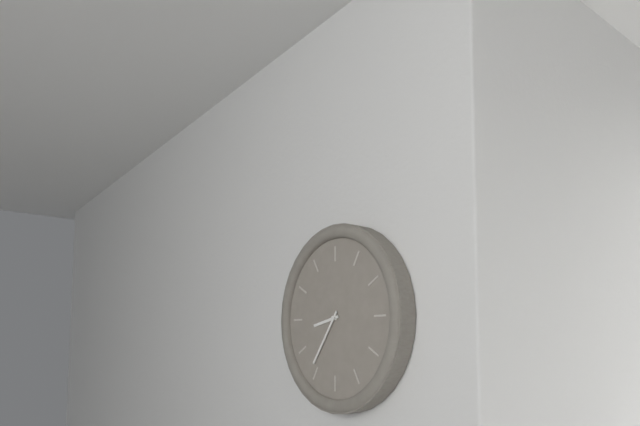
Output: 8h36
